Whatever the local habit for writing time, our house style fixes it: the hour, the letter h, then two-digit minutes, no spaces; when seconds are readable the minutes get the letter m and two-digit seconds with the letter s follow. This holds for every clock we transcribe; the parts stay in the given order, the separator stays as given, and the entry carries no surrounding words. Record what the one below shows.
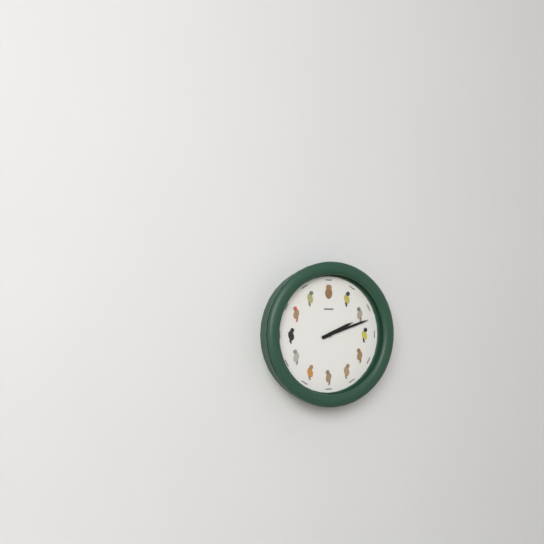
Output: 2h12
